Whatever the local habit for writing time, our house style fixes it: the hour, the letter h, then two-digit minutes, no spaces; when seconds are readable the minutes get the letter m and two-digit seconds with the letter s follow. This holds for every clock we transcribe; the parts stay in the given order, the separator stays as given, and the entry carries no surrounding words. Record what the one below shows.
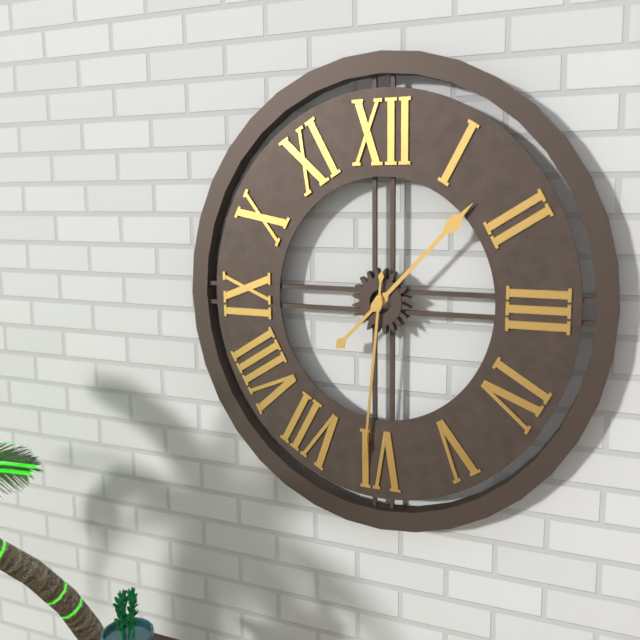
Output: 1h31
